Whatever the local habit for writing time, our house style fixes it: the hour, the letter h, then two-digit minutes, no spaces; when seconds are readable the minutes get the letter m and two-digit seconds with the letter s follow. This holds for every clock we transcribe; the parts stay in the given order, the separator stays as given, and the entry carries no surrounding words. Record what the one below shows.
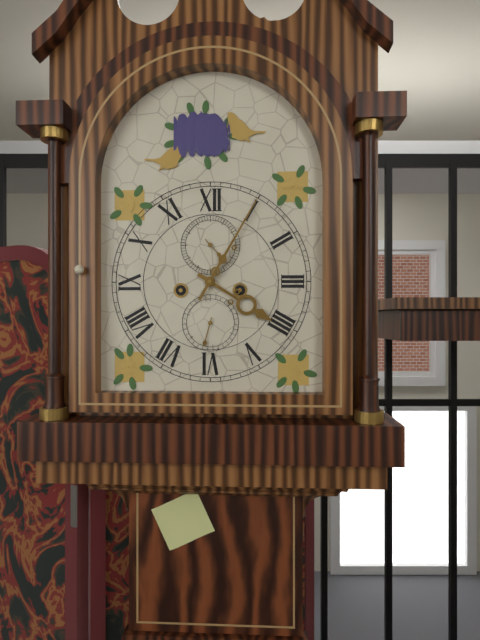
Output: 4h05
